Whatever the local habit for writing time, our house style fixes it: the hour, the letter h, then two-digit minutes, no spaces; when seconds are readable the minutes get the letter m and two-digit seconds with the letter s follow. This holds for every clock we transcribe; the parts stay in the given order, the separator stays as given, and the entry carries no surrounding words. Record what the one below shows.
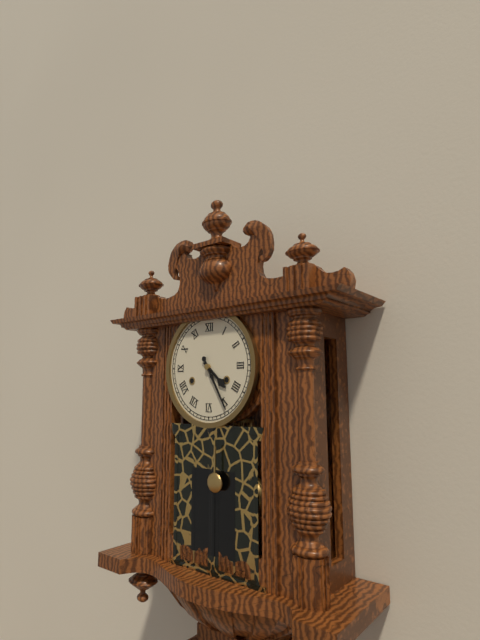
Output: 4h25
